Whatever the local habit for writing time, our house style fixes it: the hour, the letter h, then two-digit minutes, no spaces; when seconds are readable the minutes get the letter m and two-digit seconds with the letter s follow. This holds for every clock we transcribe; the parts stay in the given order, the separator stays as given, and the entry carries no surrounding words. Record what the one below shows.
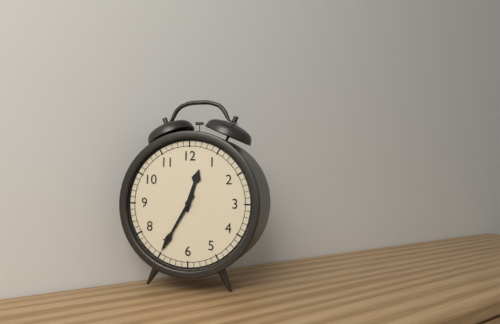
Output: 12h35
